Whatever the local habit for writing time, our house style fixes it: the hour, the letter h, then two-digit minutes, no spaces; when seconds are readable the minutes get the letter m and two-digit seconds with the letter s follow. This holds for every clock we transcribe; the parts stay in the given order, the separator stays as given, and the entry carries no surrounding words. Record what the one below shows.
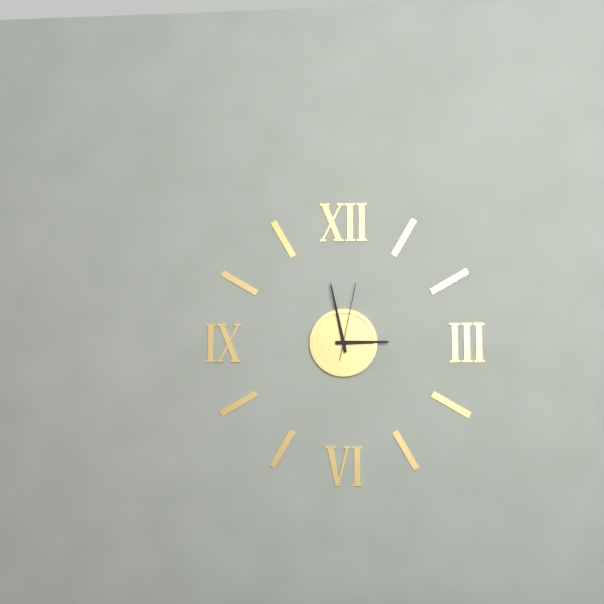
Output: 2h58m02s
